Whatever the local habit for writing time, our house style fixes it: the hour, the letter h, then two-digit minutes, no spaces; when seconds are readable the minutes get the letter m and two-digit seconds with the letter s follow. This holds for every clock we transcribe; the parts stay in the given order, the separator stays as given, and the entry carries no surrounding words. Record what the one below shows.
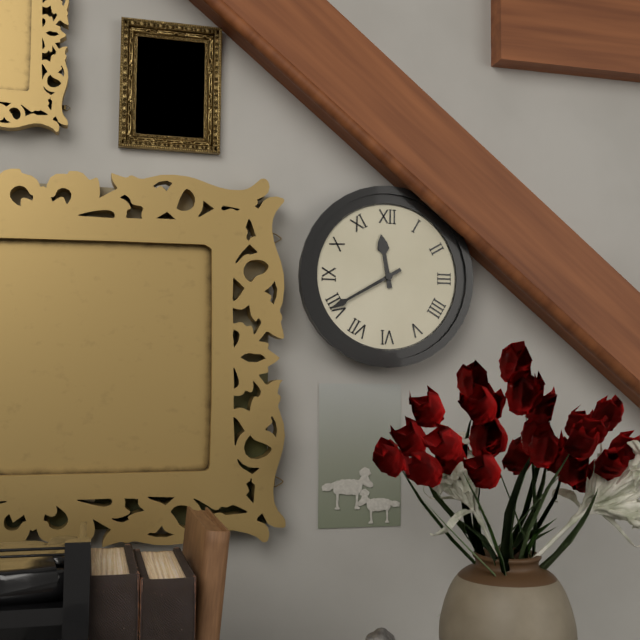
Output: 11h40
